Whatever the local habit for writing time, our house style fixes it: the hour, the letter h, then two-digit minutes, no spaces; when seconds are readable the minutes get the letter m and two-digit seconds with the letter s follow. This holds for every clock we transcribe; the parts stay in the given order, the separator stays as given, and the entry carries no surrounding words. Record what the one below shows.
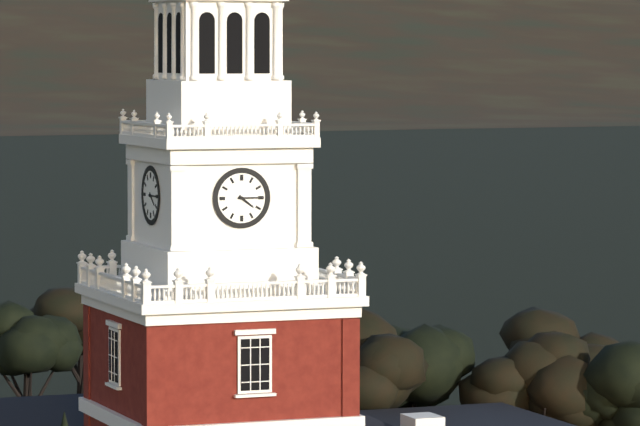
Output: 4h15
